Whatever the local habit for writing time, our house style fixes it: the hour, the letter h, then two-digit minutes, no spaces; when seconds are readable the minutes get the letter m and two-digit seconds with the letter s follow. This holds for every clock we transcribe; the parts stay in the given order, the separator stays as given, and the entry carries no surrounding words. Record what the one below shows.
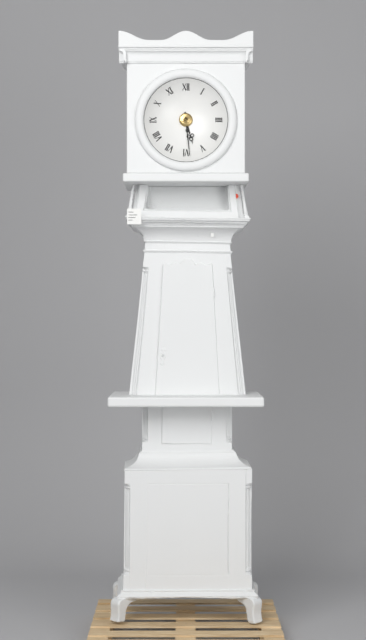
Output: 5h29
